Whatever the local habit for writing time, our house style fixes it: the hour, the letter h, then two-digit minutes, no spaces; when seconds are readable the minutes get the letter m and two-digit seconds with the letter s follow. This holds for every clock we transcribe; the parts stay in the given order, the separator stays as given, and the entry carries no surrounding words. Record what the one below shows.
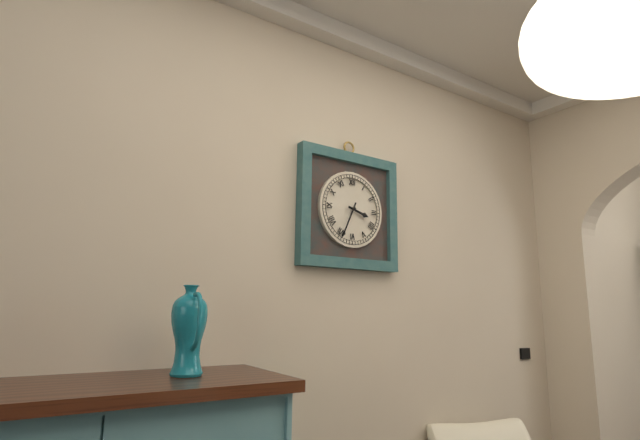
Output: 3h34
